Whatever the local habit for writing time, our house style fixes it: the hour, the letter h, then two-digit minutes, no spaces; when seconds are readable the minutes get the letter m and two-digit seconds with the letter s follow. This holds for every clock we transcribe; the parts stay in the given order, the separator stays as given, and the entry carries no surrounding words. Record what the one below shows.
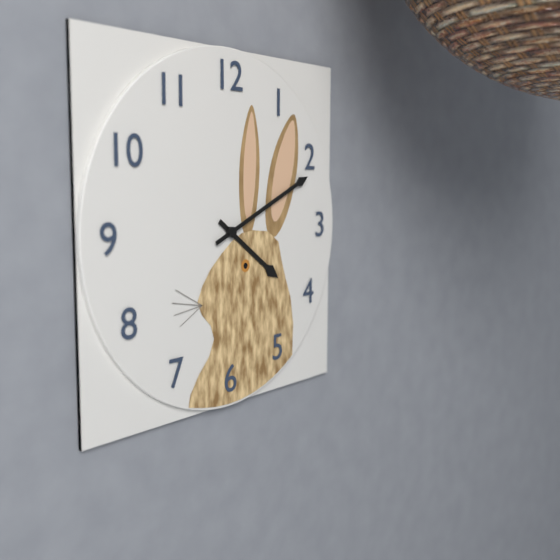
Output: 4h11
